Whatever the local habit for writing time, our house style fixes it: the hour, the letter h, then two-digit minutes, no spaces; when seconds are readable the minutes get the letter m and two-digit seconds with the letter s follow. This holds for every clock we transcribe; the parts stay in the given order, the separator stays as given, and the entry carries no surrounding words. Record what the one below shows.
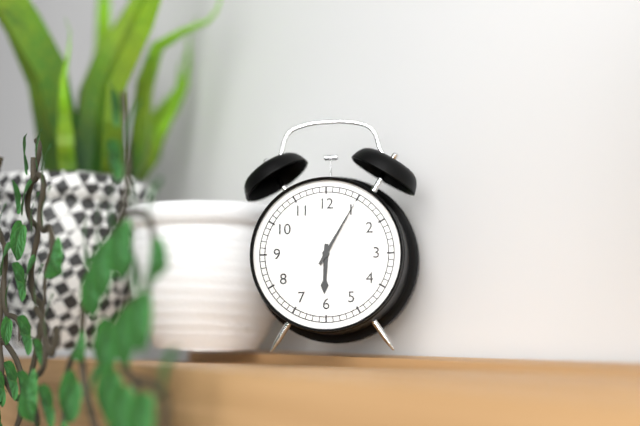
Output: 6h05
